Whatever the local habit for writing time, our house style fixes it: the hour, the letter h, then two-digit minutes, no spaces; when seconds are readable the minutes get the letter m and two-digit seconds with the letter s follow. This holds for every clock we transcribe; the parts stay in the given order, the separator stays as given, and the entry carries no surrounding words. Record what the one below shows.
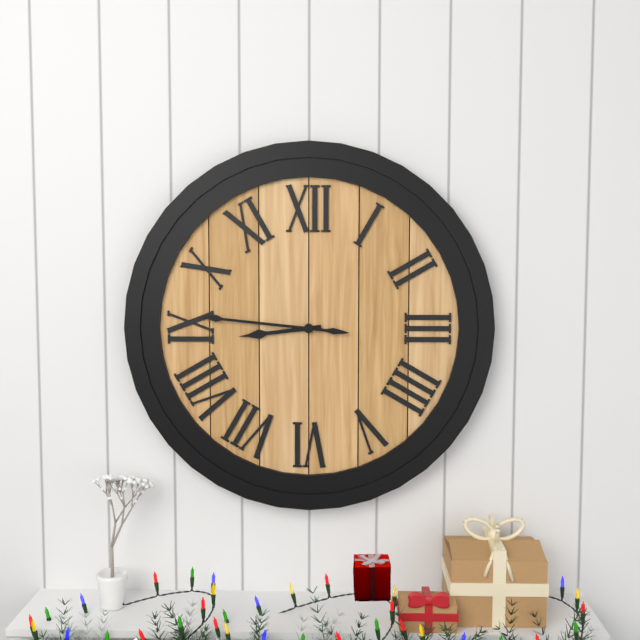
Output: 8h46
